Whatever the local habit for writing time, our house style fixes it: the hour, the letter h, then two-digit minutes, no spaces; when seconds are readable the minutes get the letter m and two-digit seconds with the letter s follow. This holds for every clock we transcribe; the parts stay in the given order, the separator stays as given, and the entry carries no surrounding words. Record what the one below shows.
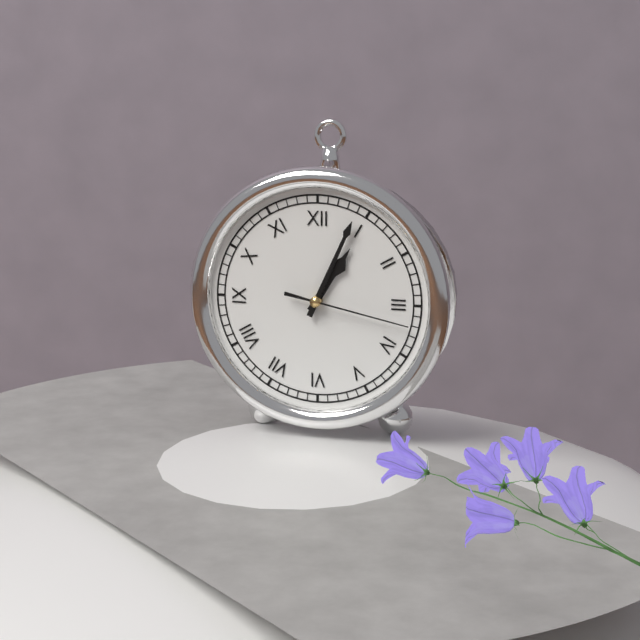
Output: 1h04m17s
